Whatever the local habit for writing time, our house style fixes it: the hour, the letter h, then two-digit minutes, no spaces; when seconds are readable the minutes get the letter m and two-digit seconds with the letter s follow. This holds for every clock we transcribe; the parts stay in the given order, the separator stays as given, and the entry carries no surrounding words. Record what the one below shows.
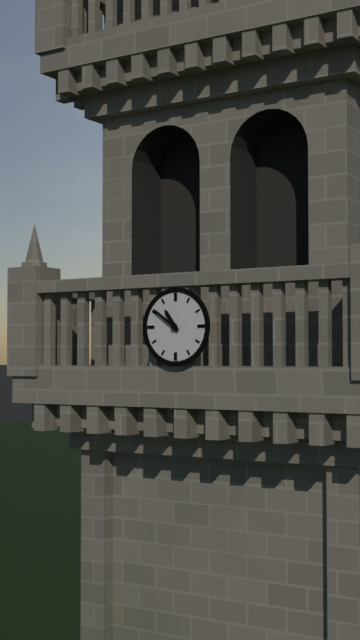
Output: 10h51
